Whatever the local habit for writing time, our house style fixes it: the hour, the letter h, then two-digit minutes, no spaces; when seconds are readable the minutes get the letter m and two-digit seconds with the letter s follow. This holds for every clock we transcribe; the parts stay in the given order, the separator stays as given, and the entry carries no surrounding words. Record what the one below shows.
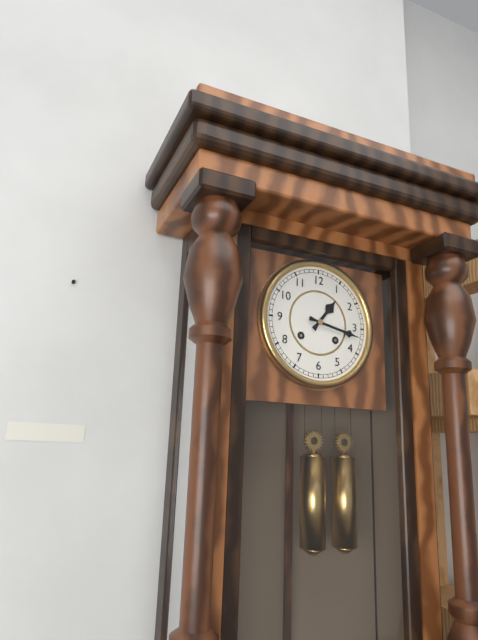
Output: 1h17
